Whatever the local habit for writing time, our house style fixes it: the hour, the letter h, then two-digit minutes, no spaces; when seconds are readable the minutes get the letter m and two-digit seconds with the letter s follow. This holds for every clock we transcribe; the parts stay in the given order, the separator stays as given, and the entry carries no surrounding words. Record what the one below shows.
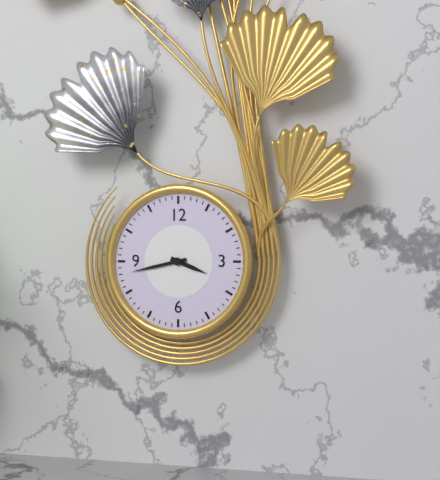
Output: 3h43
